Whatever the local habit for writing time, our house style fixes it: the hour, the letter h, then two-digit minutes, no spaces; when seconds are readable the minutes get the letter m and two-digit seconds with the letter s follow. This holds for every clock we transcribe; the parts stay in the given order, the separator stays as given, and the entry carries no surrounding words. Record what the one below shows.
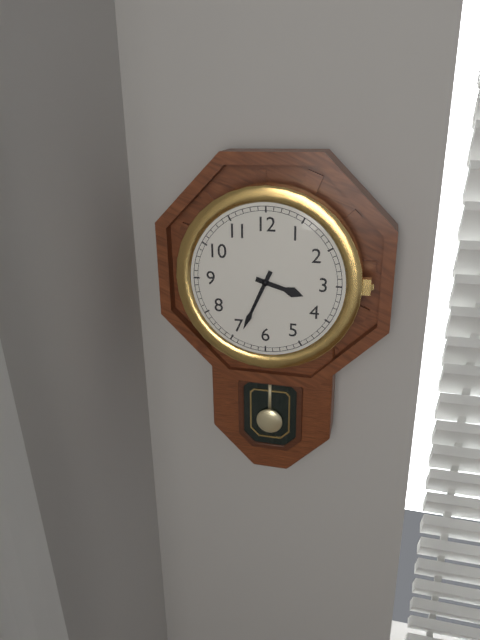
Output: 3h34
